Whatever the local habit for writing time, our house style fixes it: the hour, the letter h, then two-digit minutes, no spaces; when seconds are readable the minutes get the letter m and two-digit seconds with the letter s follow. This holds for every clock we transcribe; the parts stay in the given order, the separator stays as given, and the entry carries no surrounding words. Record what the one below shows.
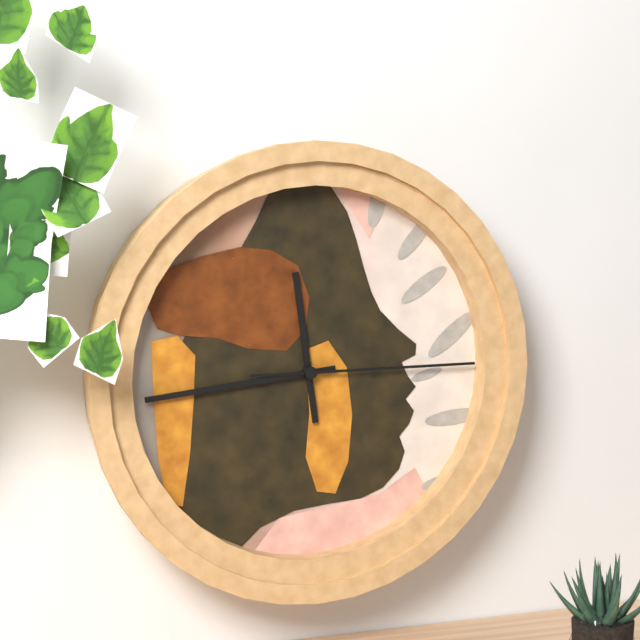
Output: 11h44m15s
